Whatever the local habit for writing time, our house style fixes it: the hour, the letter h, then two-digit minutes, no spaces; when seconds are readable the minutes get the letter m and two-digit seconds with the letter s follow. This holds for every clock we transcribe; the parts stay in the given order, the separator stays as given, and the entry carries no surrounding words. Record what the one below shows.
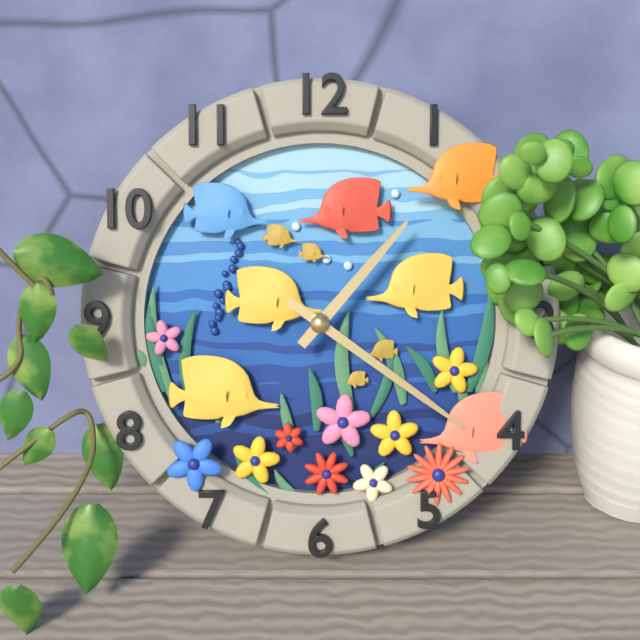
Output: 1h21
